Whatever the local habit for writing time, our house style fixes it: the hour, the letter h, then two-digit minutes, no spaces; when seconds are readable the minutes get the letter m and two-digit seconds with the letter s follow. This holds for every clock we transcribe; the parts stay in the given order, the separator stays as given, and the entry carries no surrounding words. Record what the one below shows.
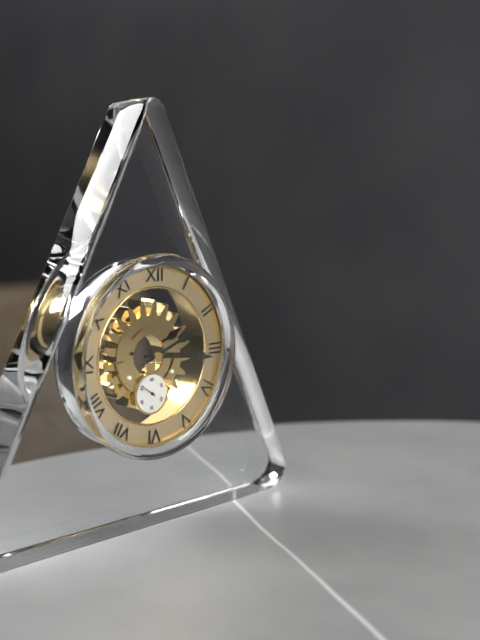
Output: 2h16
